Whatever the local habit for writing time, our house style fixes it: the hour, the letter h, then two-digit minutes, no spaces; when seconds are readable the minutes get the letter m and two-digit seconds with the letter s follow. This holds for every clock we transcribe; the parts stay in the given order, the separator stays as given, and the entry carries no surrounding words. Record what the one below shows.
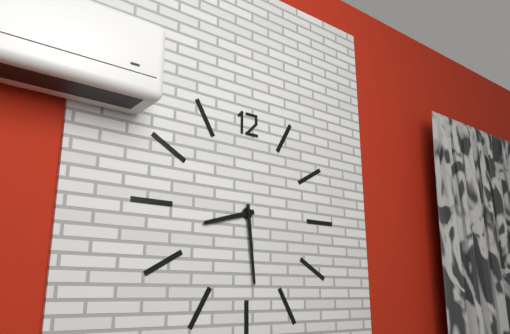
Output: 8h29
